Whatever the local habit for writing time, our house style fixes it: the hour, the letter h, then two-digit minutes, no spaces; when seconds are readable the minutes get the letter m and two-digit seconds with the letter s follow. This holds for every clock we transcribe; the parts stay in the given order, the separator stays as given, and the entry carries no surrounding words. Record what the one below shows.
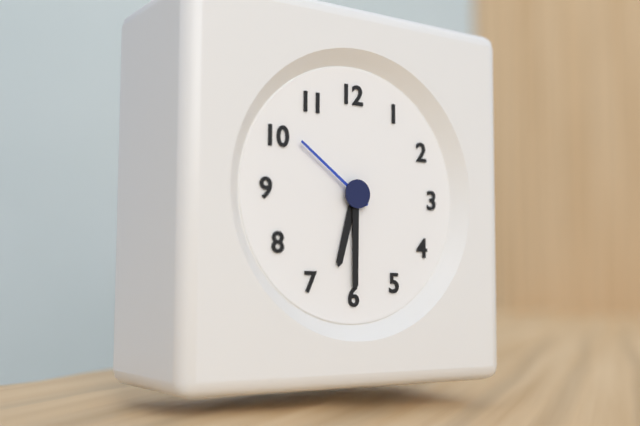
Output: 6h30m51s
